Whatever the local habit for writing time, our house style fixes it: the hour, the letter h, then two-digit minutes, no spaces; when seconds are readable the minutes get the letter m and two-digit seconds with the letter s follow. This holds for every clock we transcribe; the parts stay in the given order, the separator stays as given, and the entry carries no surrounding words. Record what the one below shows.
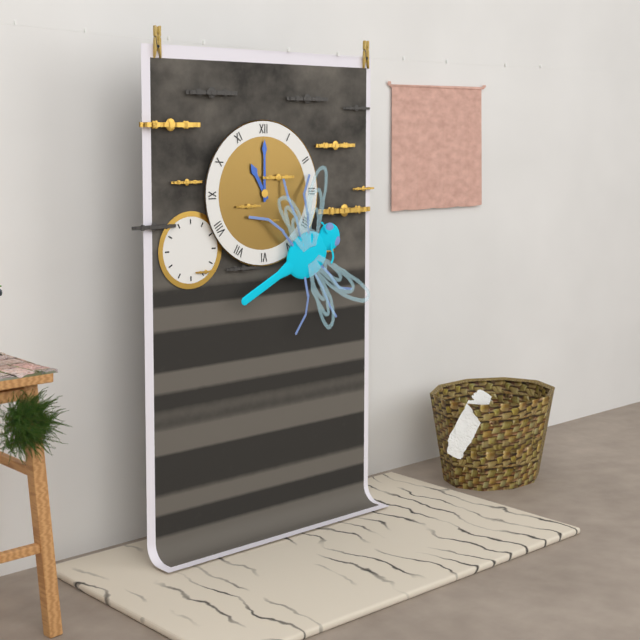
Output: 11h00
